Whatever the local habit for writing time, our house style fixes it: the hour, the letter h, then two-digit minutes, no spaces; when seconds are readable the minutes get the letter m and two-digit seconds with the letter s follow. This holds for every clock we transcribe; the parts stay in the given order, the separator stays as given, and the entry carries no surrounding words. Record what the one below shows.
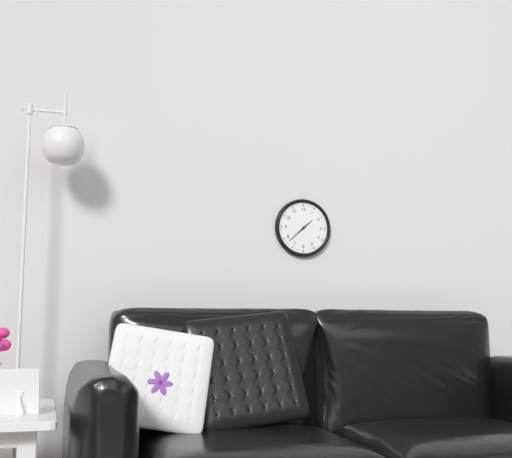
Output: 1h38
